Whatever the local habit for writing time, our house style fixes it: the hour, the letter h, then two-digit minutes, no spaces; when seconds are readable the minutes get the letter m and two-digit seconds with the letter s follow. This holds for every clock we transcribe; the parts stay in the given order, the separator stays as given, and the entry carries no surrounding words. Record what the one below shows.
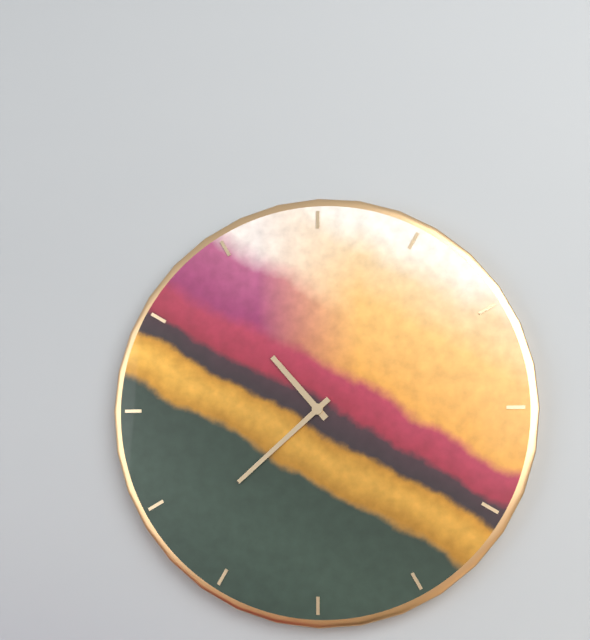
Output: 10h38
